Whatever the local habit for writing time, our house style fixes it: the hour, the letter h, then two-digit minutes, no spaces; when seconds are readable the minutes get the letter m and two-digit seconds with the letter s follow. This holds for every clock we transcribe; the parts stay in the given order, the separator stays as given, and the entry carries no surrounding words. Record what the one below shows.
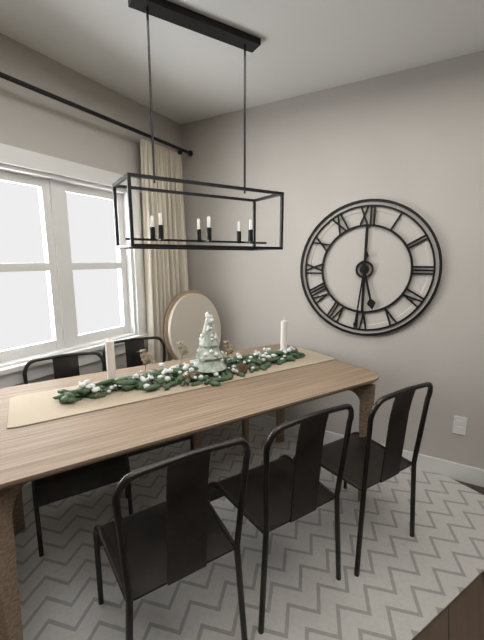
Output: 5h31
